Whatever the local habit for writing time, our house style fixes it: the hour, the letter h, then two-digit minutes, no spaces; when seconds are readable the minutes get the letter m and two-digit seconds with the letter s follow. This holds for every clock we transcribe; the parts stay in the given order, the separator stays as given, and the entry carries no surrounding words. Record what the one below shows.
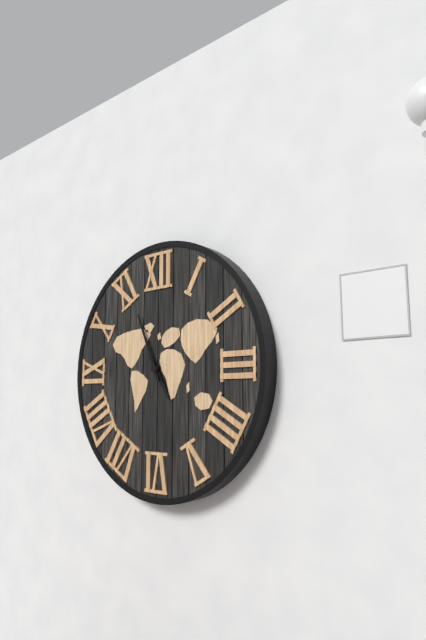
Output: 4h56
